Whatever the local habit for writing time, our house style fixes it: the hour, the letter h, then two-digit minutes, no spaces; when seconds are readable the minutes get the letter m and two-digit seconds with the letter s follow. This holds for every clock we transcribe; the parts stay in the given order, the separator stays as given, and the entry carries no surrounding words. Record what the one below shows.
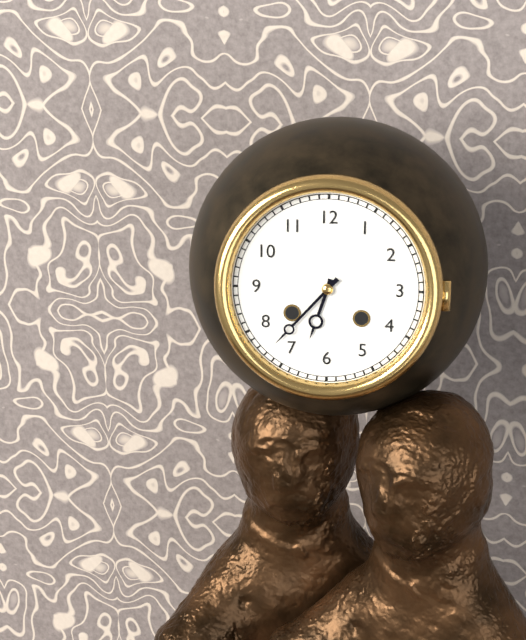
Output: 6h37
